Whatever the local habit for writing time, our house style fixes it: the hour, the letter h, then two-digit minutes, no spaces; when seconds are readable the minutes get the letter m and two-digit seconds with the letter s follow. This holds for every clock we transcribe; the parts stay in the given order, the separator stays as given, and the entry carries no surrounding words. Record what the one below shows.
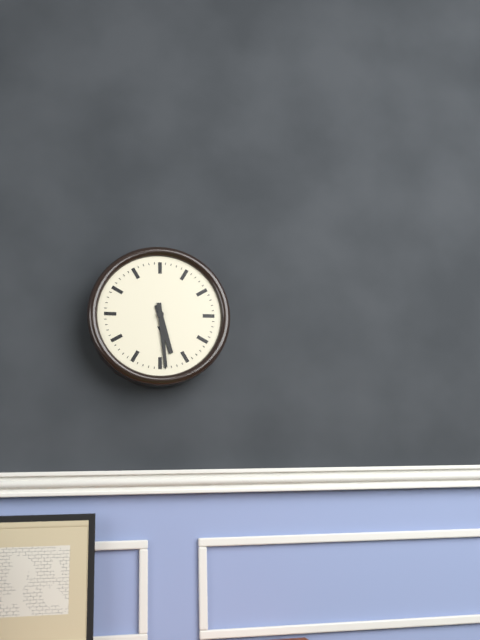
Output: 5h29
